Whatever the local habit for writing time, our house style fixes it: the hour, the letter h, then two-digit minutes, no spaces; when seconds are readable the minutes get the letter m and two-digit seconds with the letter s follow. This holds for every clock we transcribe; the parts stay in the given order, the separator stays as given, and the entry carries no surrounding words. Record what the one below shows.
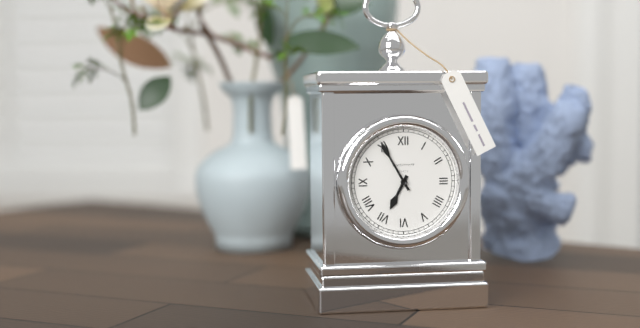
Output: 6h55
